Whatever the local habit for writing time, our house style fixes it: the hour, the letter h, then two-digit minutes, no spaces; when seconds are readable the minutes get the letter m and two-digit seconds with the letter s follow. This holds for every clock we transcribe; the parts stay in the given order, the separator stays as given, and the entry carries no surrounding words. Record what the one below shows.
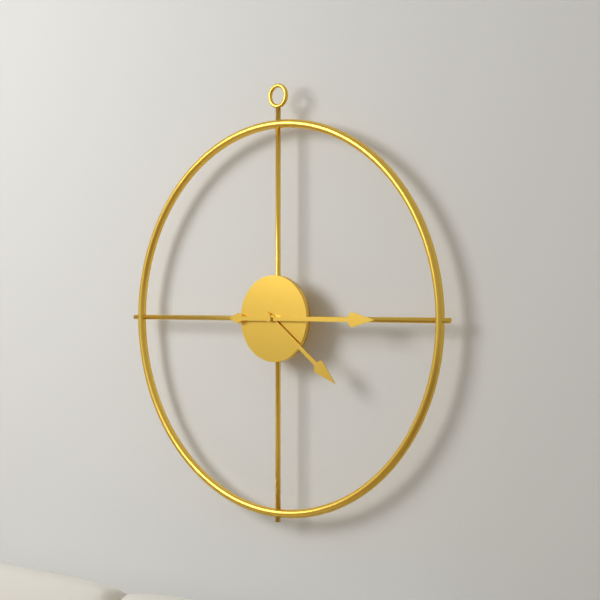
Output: 4h15
